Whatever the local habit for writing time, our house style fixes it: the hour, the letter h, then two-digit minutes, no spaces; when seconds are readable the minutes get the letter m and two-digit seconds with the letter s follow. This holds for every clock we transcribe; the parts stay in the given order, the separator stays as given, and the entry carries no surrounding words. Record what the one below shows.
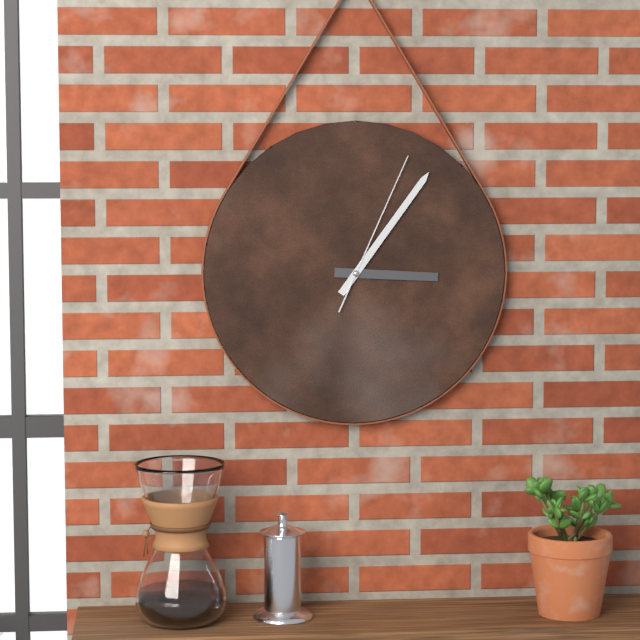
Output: 3h06m04s
